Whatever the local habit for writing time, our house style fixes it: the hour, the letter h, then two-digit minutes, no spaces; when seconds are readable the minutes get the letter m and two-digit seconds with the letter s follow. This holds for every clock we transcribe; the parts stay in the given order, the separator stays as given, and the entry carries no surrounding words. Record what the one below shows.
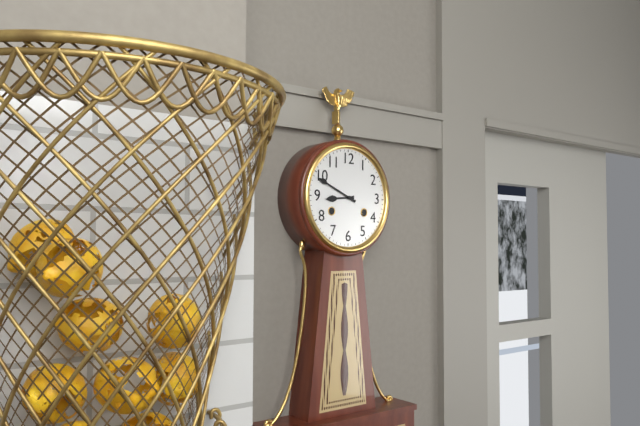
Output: 8h49
